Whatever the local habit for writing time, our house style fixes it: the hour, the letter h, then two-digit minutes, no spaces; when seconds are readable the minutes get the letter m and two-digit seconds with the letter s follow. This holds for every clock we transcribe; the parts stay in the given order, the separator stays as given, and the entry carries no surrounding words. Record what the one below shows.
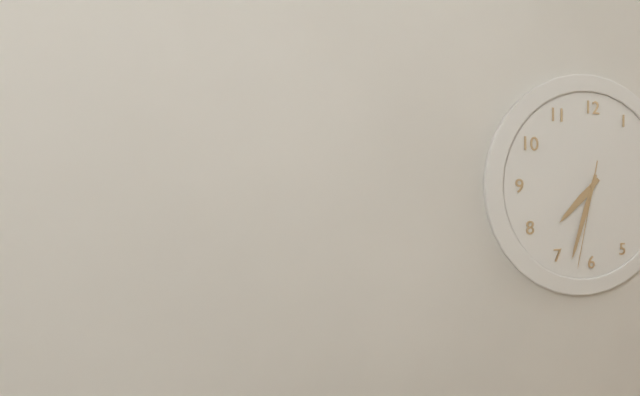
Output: 7h33m32s
